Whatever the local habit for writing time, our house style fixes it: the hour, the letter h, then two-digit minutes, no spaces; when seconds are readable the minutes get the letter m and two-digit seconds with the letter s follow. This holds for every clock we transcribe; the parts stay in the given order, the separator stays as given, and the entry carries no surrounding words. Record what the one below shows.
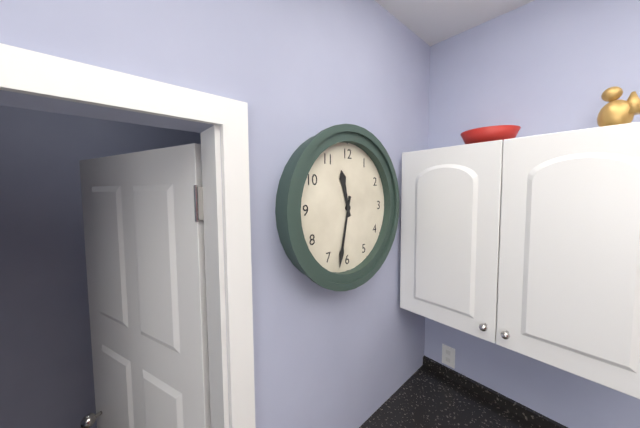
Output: 11h32
